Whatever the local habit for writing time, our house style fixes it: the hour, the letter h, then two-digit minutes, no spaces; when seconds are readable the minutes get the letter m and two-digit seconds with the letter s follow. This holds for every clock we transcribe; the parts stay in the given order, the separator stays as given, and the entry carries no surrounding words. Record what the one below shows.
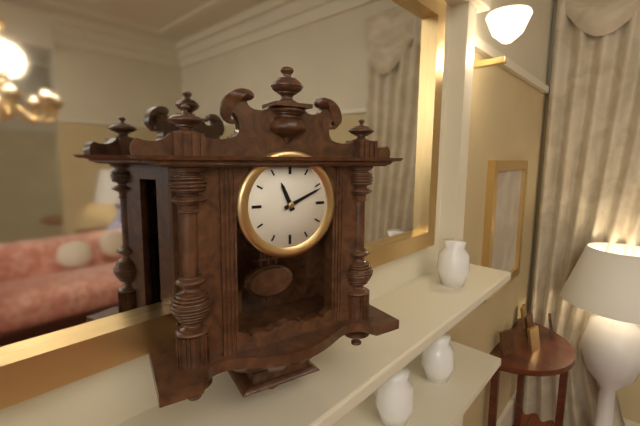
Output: 11h11
